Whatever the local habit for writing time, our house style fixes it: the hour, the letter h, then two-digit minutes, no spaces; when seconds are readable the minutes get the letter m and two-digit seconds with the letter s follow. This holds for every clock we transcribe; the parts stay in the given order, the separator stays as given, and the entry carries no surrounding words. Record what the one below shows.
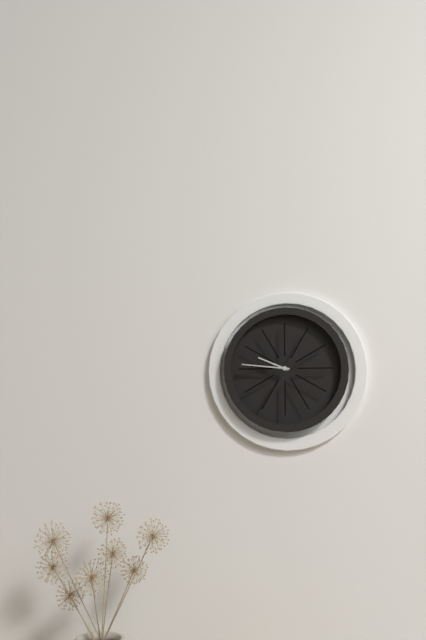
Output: 9h46
